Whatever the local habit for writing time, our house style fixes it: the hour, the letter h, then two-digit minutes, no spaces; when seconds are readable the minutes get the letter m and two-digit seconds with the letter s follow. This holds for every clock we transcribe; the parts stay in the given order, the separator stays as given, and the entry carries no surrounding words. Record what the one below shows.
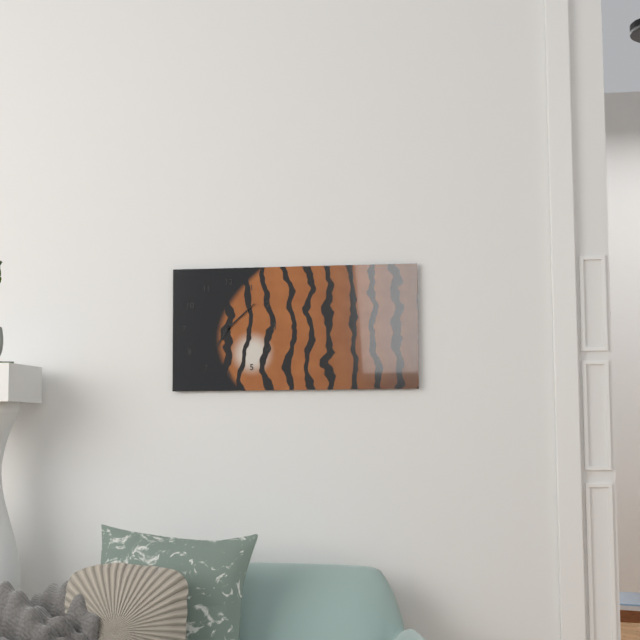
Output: 7h08
